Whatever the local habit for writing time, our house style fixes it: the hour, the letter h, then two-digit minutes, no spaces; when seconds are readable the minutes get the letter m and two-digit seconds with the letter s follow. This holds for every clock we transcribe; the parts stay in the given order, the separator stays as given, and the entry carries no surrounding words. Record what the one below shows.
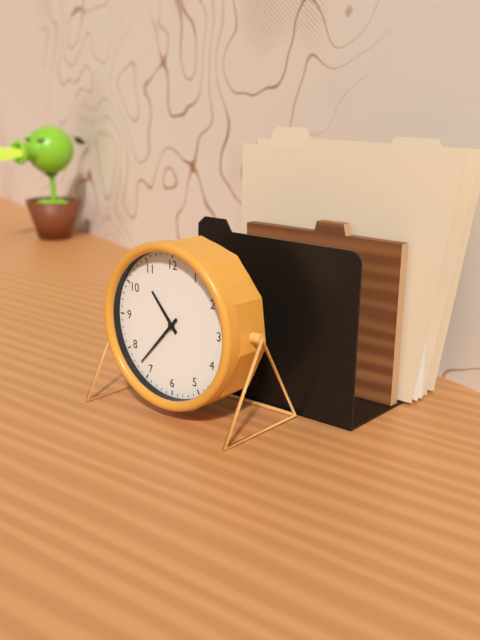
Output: 10h37
